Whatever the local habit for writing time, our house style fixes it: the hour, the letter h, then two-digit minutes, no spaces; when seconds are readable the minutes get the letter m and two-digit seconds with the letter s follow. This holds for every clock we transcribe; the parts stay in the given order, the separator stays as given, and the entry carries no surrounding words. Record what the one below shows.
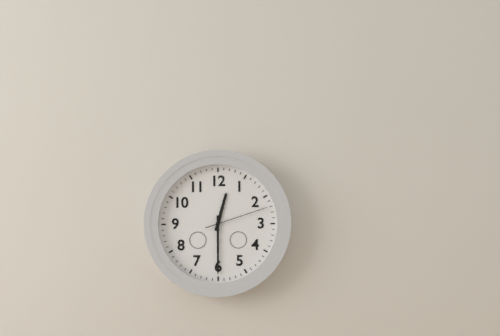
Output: 12h30m12s
